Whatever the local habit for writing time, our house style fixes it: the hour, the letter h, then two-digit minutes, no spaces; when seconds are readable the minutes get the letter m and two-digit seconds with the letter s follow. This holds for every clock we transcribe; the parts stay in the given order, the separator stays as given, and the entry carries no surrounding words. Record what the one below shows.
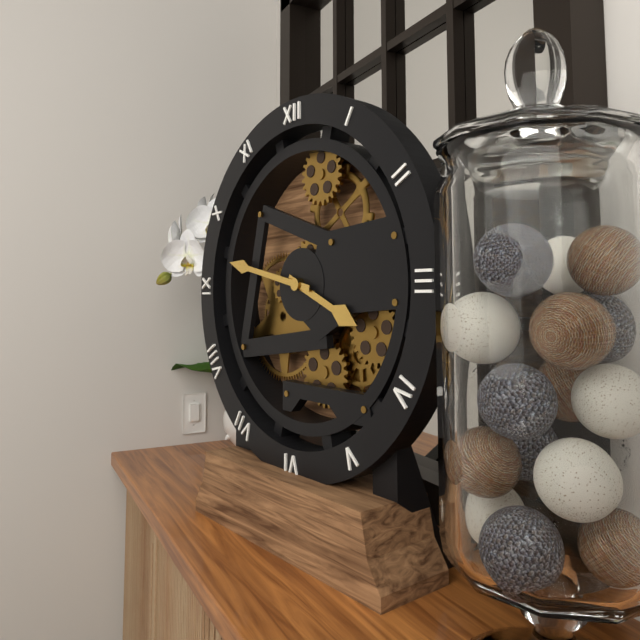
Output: 3h47
